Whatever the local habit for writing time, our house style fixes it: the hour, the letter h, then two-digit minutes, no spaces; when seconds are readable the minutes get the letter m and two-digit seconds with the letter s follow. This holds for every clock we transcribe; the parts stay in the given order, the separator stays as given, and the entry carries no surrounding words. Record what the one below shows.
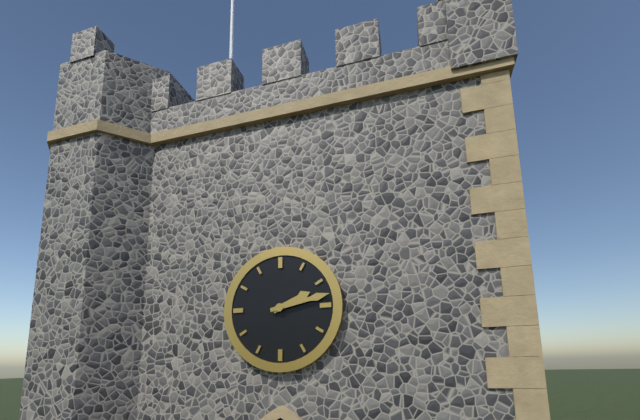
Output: 2h13
